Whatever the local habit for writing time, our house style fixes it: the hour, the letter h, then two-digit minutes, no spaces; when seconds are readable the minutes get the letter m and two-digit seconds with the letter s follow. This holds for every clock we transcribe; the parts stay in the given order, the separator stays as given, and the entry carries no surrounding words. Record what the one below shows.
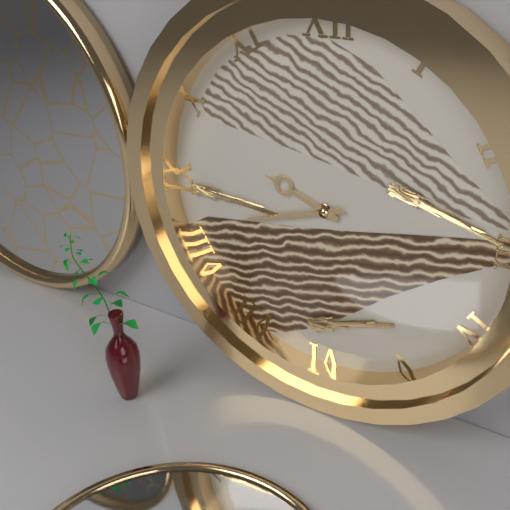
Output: 9h42
